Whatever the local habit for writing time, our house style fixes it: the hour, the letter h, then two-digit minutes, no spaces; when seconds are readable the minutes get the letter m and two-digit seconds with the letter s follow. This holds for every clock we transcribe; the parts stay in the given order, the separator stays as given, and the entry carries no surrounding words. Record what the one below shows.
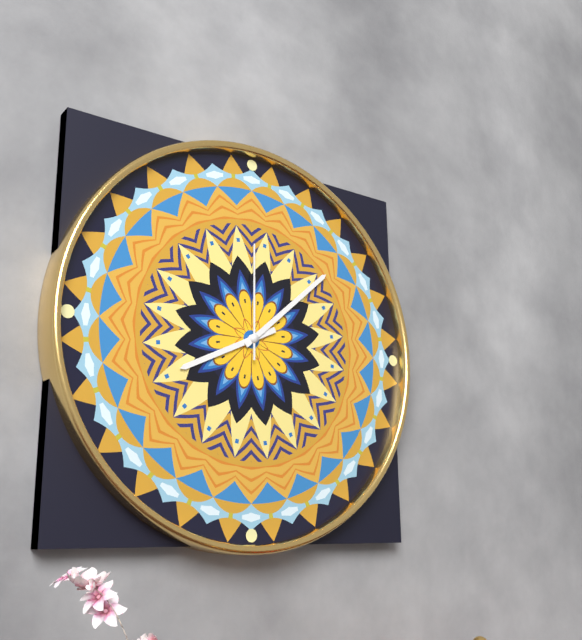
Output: 8h08m00s
